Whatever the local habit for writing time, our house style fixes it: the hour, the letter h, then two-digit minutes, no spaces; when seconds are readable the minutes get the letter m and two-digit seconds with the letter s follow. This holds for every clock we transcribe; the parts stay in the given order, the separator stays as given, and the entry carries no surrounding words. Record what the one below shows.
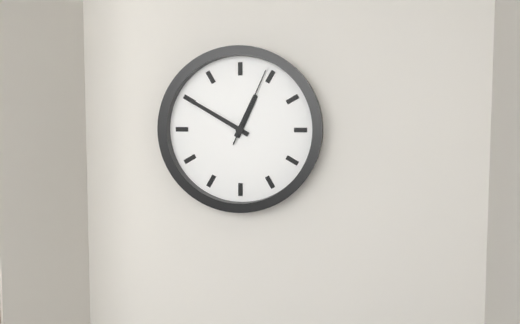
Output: 12h50m04s
